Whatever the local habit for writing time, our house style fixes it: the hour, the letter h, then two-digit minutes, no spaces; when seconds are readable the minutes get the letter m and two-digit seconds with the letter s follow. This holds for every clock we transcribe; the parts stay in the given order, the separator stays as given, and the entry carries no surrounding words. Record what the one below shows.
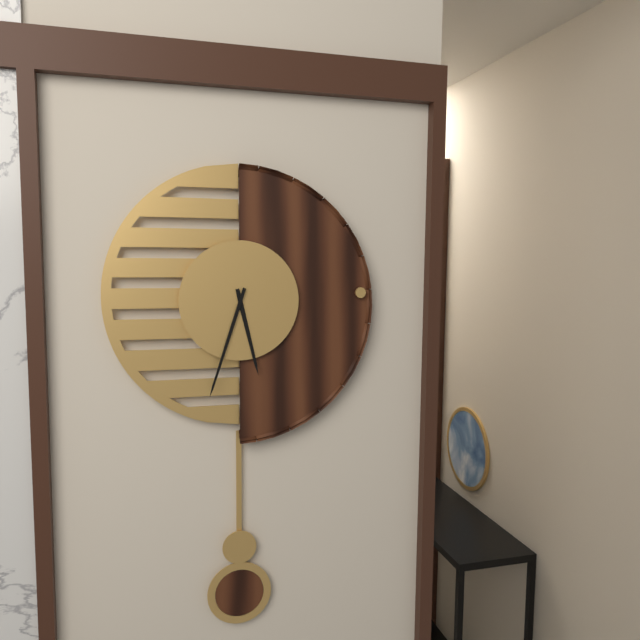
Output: 5h33
